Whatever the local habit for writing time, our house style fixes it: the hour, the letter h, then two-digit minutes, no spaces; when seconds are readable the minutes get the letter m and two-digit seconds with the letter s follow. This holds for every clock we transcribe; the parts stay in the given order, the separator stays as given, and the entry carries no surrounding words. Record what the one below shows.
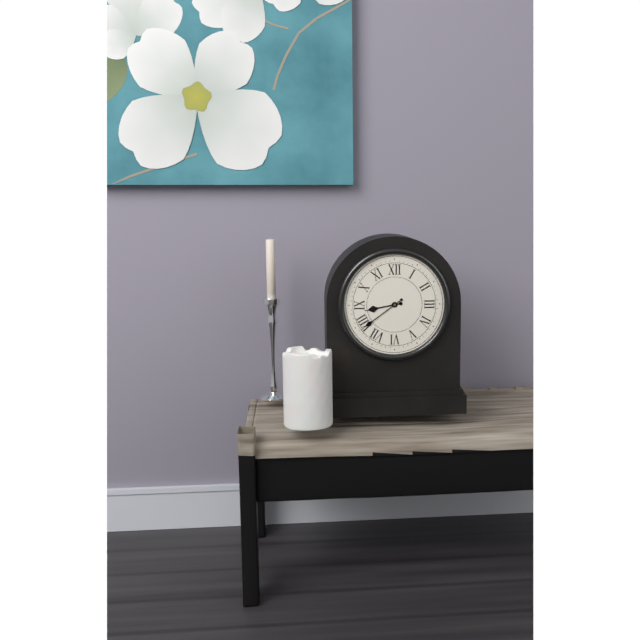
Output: 8h39
